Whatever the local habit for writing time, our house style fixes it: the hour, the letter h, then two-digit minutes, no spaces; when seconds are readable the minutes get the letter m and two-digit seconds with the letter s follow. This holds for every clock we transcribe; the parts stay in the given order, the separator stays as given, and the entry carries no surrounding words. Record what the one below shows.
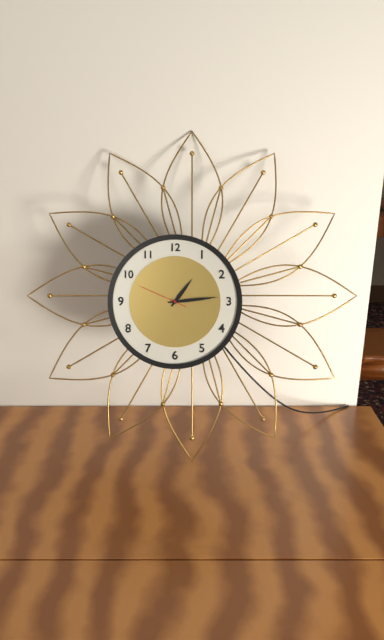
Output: 1h14m49s
